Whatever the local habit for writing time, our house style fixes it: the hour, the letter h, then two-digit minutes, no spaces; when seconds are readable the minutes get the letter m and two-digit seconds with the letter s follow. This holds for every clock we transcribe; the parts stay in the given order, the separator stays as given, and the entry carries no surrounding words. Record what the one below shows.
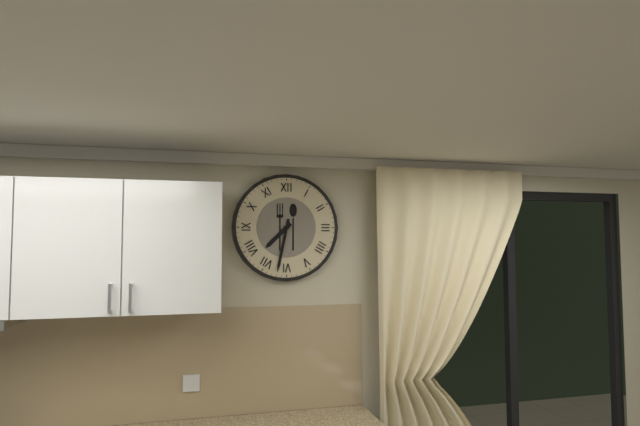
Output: 7h32
